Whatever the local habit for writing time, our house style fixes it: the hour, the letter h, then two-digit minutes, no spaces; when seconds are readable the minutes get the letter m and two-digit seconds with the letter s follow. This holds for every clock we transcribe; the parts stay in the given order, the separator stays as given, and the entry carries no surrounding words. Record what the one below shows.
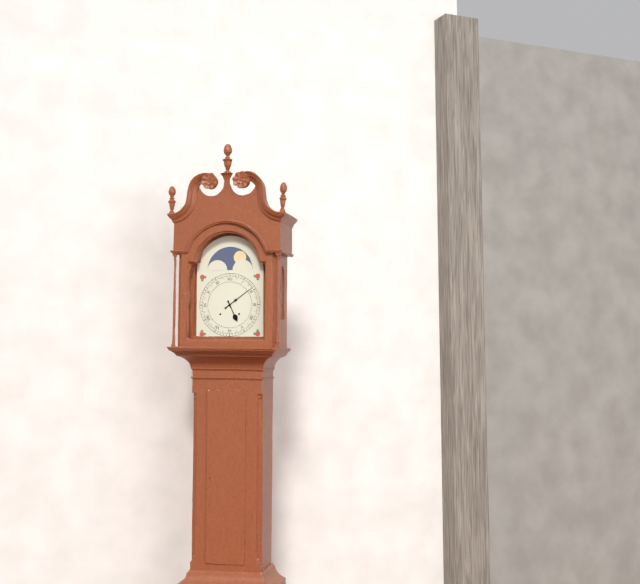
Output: 5h09
